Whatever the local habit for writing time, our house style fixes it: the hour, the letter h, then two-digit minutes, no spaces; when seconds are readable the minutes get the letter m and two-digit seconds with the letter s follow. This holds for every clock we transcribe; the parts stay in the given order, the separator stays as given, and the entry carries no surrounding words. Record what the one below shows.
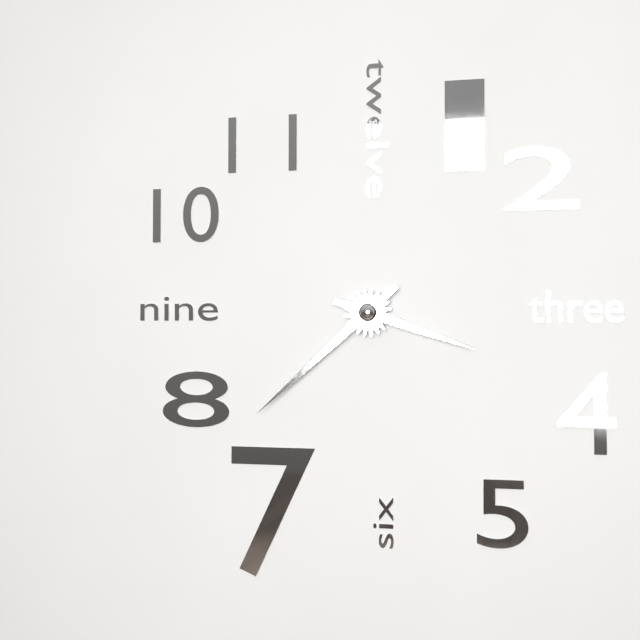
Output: 3h38
